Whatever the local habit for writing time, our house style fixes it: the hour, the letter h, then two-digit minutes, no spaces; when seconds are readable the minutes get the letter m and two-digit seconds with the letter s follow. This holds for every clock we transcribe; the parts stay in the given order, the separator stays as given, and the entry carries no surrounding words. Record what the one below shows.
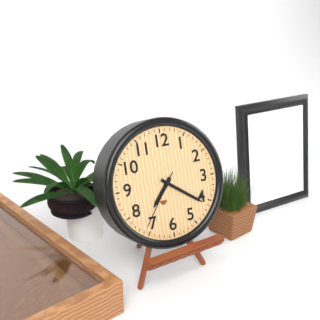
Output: 7h21m36s
